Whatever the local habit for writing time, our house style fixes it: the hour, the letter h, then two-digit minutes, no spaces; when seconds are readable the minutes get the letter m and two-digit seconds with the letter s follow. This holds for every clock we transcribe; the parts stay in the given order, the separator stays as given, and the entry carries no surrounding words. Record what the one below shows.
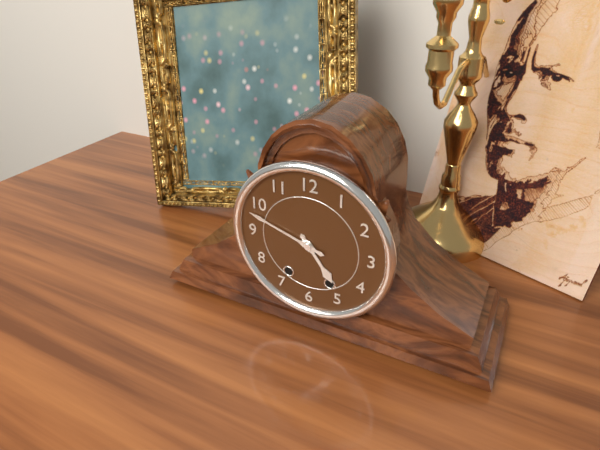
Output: 4h48
